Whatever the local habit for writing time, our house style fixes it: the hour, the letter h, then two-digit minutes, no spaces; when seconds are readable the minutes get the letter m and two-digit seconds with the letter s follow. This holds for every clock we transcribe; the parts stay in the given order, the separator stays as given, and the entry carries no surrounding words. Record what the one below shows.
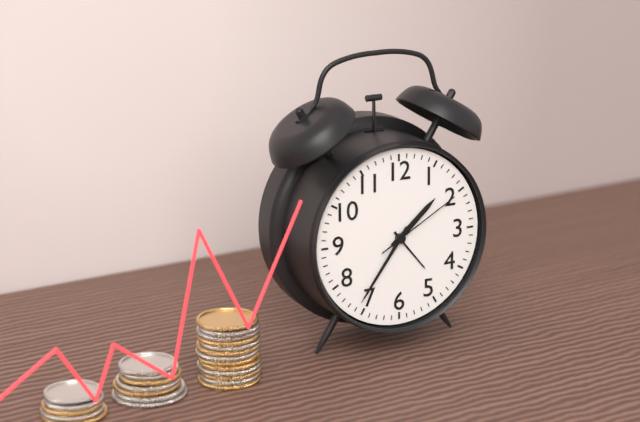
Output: 1h36m10s
